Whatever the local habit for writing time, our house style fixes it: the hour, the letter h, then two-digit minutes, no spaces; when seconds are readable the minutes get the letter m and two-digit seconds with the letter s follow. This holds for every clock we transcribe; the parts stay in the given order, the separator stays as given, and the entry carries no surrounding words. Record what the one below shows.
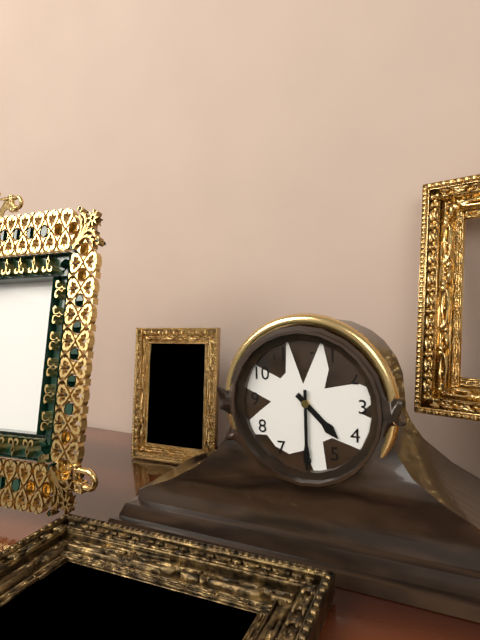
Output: 4h30
